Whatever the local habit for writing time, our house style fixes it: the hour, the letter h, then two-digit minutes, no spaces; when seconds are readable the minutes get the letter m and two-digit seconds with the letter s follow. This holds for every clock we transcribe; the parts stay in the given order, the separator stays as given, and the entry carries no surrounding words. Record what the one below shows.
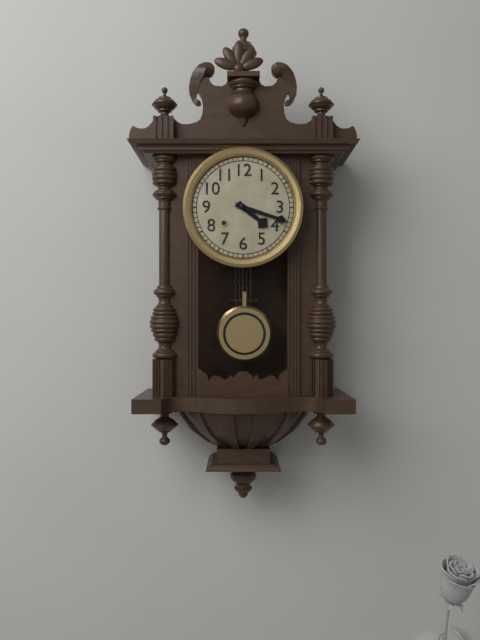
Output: 4h18
